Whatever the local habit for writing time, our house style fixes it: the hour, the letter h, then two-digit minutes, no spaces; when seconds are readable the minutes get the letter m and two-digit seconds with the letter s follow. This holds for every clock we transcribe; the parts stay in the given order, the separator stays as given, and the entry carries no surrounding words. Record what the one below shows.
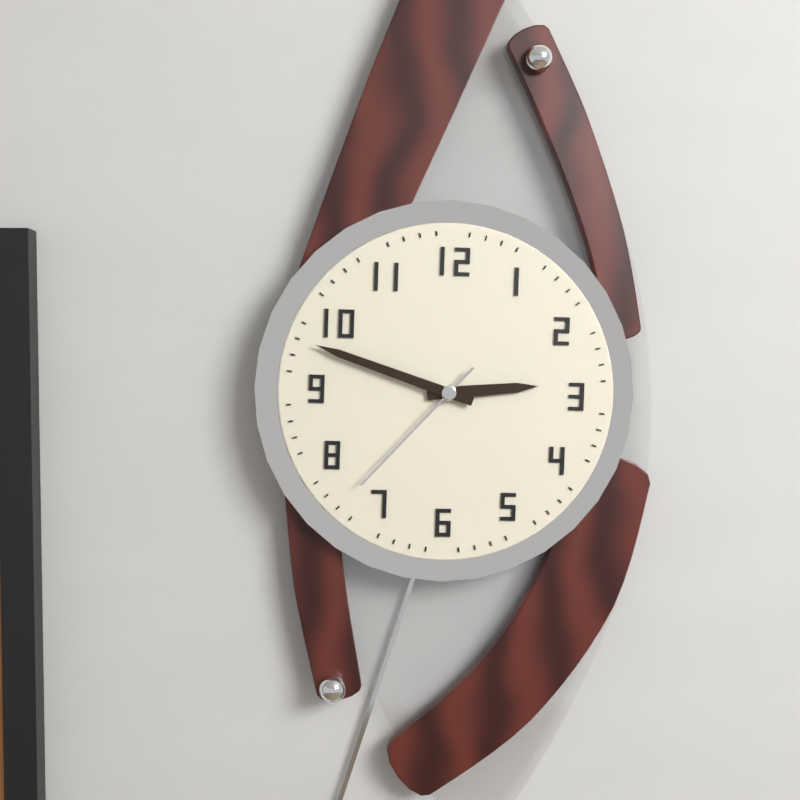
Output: 2h48m37s
